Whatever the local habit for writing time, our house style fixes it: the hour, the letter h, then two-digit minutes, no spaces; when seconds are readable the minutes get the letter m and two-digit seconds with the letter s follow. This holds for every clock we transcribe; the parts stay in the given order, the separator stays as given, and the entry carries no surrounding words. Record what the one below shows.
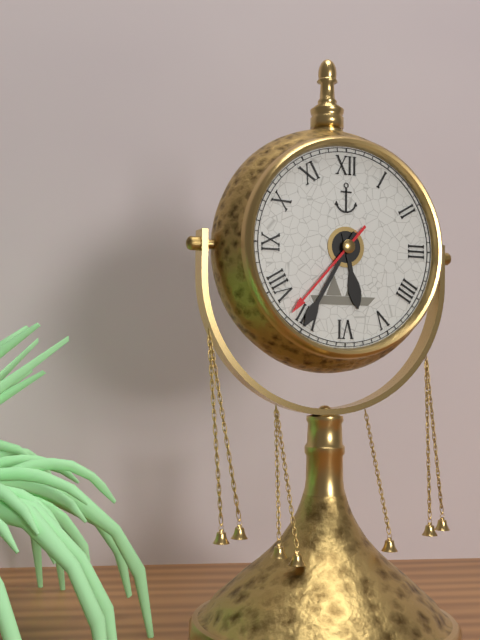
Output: 5h35m37s
